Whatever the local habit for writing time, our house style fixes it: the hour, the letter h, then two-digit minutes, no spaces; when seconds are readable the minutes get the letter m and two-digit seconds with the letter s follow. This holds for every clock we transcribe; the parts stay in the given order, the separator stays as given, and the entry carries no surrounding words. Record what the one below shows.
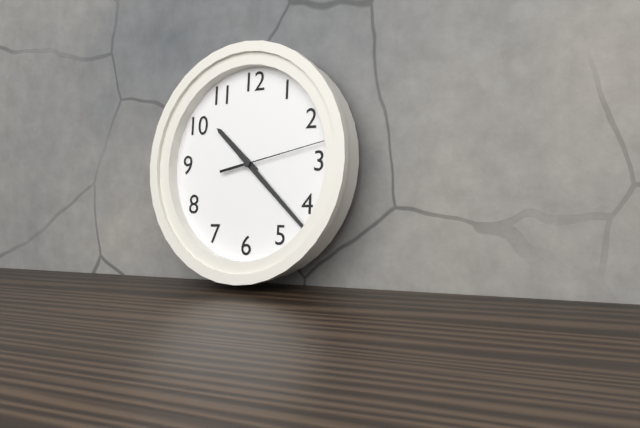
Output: 10h22m13s
